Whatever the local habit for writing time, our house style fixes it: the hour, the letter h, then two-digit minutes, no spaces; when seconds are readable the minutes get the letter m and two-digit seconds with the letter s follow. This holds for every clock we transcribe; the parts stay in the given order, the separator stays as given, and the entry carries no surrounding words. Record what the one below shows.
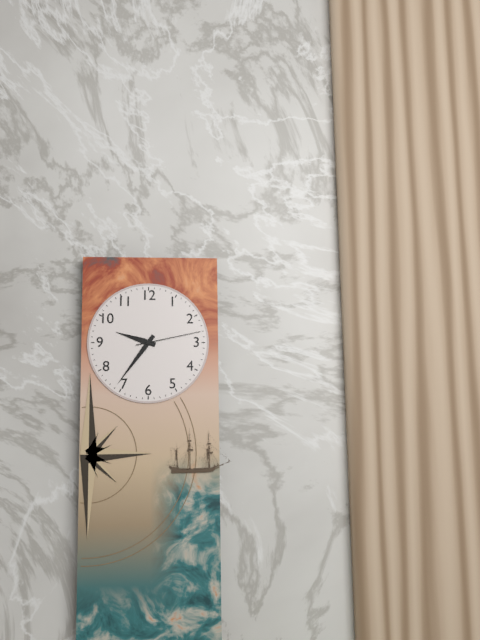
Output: 9h36m13s
